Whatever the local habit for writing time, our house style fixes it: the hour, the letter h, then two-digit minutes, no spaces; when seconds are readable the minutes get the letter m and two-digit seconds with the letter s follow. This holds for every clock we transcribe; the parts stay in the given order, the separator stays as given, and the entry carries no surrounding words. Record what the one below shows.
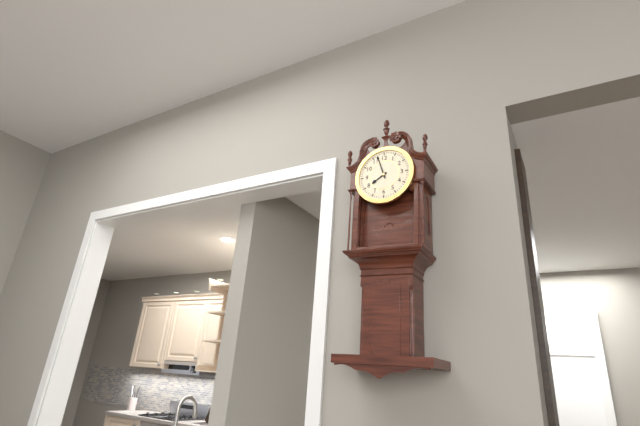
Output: 7h57
